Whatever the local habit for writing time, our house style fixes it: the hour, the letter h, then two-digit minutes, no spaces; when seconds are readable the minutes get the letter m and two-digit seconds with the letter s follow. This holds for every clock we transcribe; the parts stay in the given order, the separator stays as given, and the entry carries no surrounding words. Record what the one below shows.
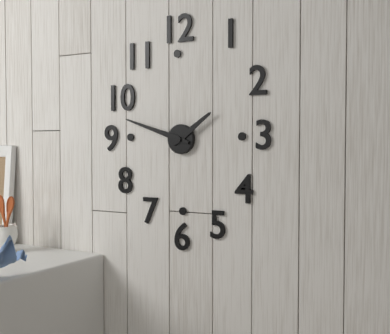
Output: 1h48
